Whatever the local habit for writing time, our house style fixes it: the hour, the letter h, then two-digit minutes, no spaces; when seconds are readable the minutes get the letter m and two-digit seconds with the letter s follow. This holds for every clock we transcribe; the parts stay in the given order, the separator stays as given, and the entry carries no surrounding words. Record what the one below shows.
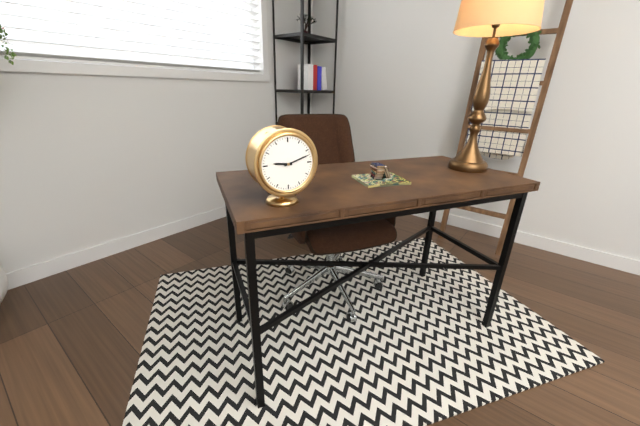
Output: 9h12
